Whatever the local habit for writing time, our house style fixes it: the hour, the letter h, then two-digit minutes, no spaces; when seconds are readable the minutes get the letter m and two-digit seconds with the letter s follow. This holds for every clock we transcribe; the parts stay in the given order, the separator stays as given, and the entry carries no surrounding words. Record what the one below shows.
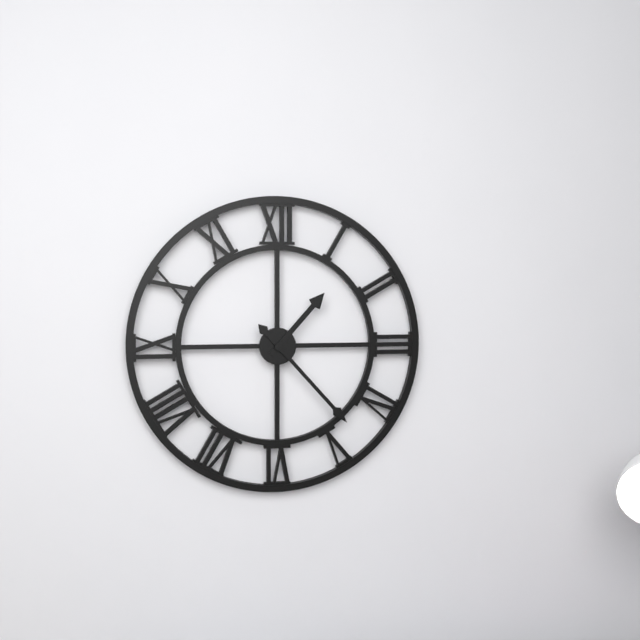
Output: 1h23
